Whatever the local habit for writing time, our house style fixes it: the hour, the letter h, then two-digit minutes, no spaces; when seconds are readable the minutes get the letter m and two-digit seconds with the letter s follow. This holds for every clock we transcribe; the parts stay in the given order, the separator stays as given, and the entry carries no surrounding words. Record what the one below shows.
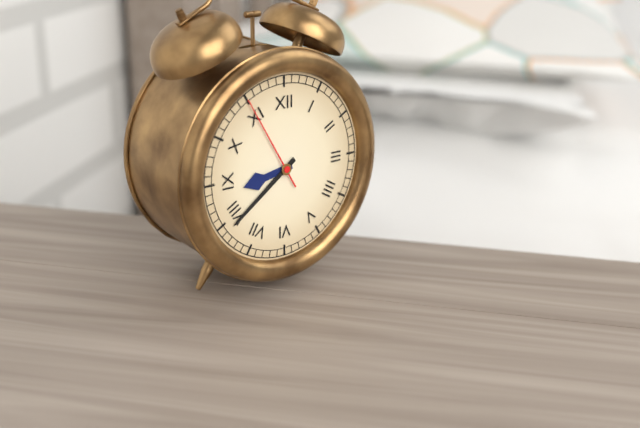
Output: 8h39m55s
